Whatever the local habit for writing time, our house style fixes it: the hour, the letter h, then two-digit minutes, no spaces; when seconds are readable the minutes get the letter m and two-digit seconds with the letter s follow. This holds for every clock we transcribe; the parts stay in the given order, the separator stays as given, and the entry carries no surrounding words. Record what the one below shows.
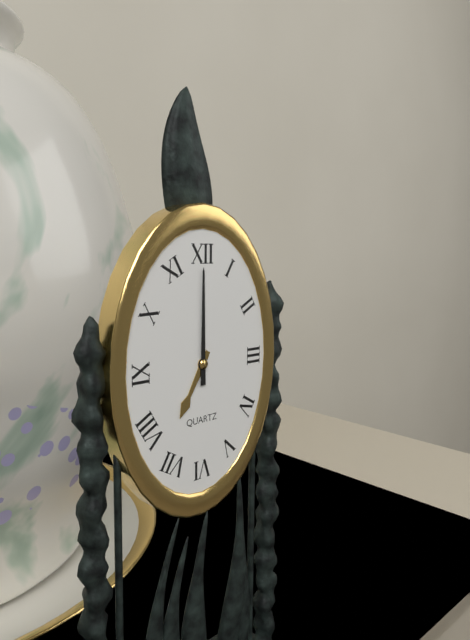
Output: 7h00
